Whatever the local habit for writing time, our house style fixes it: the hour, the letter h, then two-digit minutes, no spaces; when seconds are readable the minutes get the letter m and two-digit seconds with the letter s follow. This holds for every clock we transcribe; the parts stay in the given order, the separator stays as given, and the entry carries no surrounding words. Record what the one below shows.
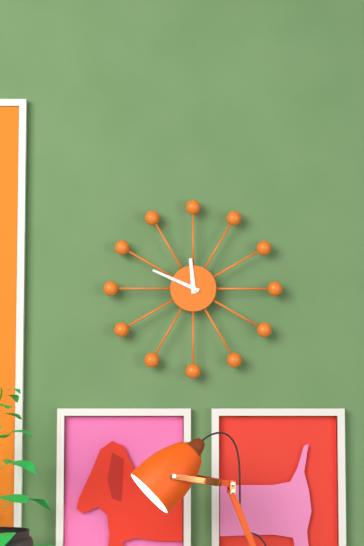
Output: 11h49
